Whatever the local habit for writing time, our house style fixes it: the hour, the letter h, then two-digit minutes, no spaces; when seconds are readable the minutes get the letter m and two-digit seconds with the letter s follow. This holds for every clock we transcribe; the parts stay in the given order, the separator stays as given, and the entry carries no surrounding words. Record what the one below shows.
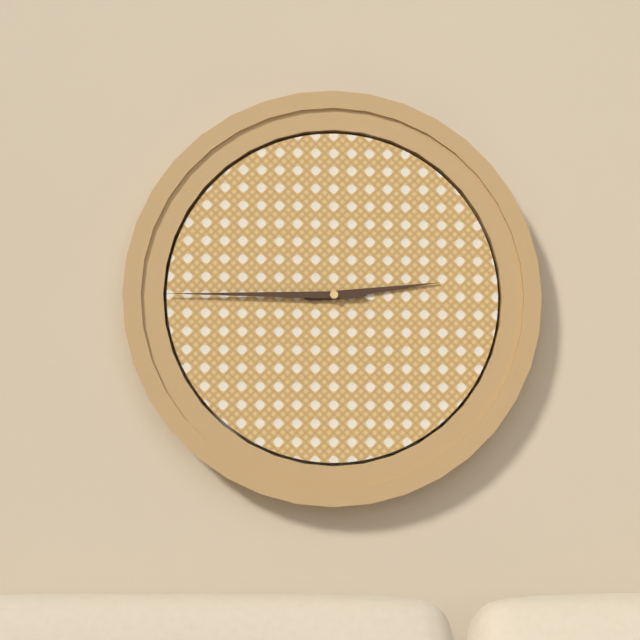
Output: 2h45
